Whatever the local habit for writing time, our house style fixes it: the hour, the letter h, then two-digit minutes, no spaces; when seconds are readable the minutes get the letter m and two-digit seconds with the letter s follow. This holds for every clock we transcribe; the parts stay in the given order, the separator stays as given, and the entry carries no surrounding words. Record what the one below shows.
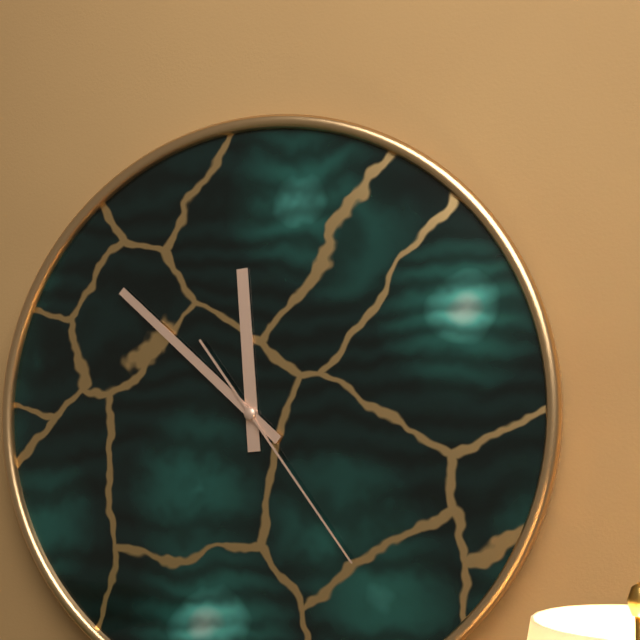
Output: 11h52m24s
